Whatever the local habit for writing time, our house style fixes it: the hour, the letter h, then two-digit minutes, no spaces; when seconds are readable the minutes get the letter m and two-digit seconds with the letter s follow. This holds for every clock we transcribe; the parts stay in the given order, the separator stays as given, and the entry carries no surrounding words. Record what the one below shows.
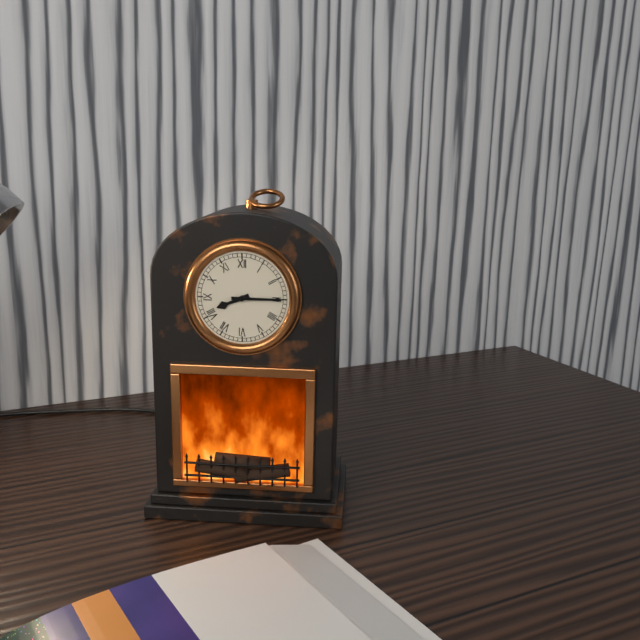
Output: 8h15
